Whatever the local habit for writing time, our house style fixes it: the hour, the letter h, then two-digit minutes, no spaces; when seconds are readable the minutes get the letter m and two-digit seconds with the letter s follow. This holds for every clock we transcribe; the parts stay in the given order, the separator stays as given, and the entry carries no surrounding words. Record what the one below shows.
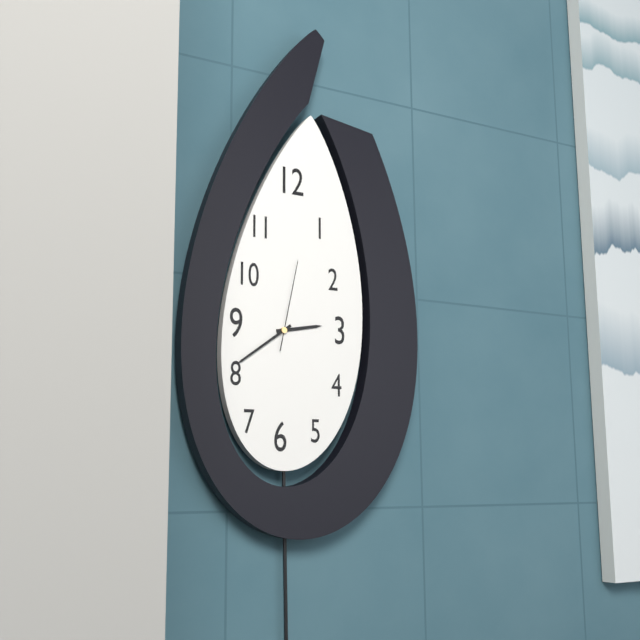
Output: 2h39m02s
